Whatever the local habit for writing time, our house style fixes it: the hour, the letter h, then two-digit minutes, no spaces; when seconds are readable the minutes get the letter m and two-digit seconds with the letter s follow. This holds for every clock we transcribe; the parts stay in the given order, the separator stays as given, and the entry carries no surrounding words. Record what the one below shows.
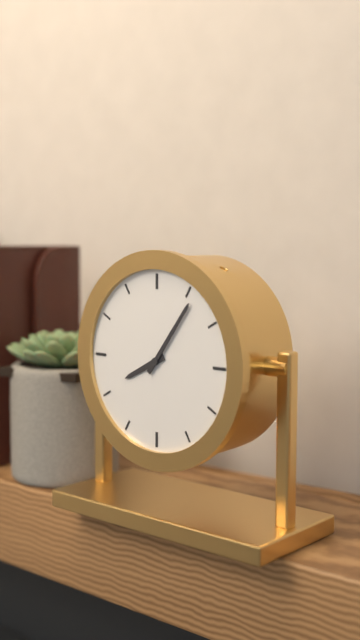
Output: 8h06
